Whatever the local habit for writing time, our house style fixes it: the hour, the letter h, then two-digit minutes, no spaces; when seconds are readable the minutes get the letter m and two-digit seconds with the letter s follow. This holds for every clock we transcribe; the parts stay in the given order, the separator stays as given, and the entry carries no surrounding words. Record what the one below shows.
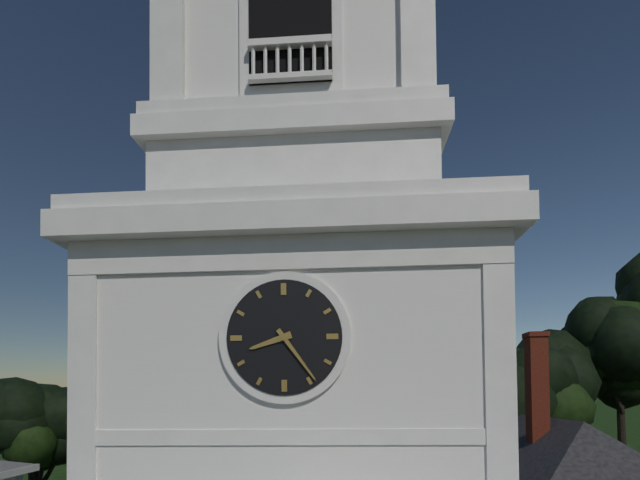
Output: 8h24
